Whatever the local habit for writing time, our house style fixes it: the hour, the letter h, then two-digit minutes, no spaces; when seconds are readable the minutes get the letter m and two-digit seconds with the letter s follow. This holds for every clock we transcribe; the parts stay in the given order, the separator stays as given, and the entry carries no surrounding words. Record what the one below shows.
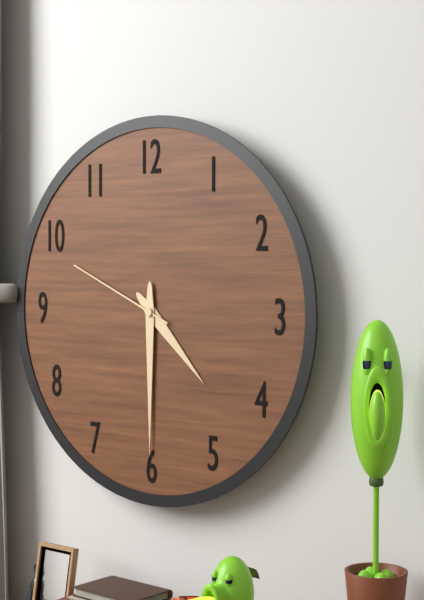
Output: 4h30m49s
